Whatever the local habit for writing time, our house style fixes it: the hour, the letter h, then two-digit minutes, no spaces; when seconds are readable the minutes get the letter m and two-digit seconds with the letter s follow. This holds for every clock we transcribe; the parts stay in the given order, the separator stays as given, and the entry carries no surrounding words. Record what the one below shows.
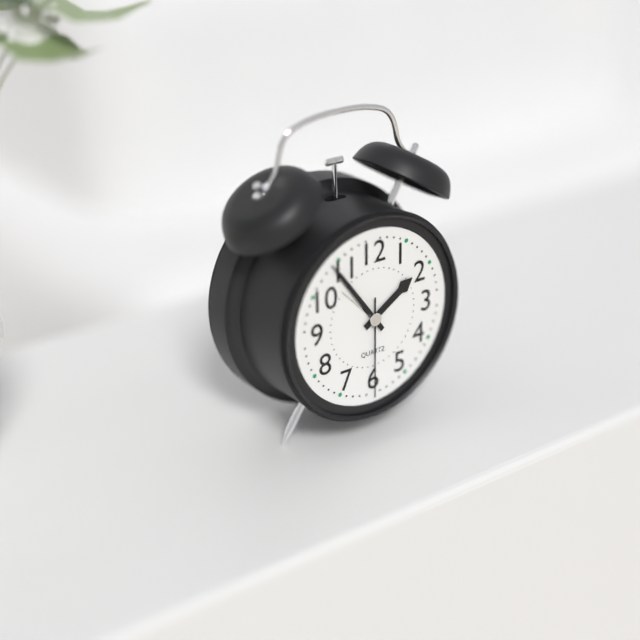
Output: 1h54m30s
